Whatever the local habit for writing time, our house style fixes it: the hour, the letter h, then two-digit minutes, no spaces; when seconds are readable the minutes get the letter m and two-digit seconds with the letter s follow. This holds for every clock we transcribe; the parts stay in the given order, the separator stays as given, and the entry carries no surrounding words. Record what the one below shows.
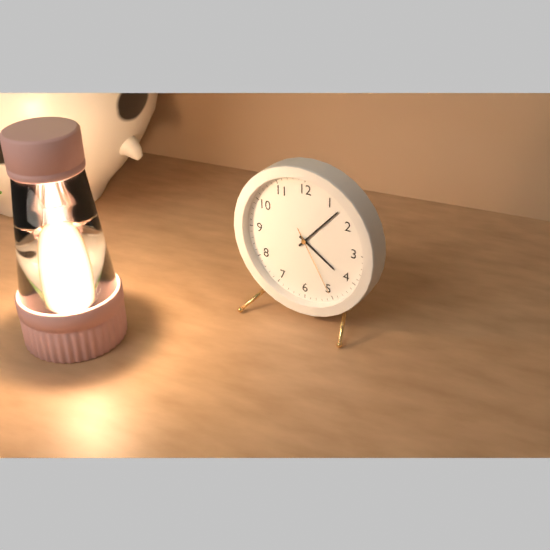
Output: 4h07m25s
